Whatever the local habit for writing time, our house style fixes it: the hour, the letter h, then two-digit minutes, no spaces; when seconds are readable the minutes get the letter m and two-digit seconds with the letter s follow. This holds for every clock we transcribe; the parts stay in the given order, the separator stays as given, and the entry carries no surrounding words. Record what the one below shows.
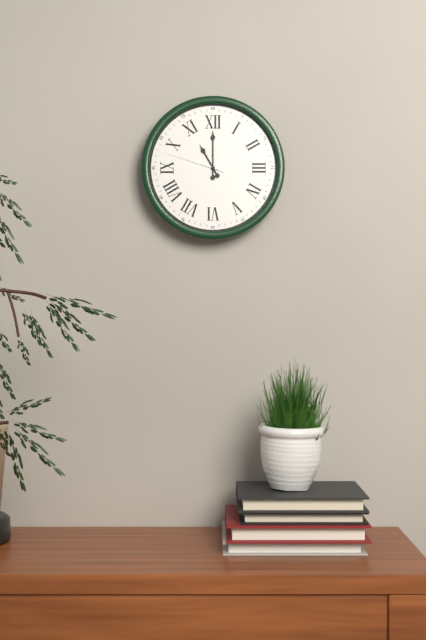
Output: 11h00m48s
